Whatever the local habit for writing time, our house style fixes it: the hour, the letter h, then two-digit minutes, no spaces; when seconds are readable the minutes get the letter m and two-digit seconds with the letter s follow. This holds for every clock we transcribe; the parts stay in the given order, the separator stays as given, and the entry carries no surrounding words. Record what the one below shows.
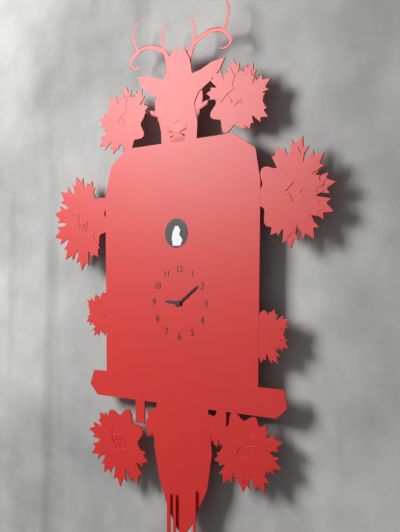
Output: 9h09
